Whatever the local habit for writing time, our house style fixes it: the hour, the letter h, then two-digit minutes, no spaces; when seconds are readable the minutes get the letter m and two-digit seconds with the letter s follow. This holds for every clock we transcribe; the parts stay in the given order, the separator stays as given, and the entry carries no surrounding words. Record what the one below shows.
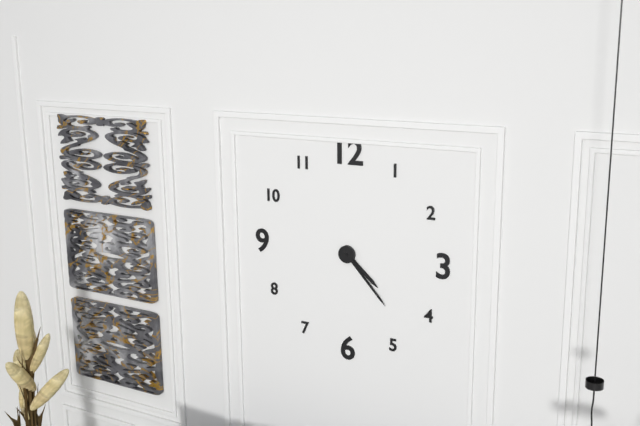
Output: 4h23
